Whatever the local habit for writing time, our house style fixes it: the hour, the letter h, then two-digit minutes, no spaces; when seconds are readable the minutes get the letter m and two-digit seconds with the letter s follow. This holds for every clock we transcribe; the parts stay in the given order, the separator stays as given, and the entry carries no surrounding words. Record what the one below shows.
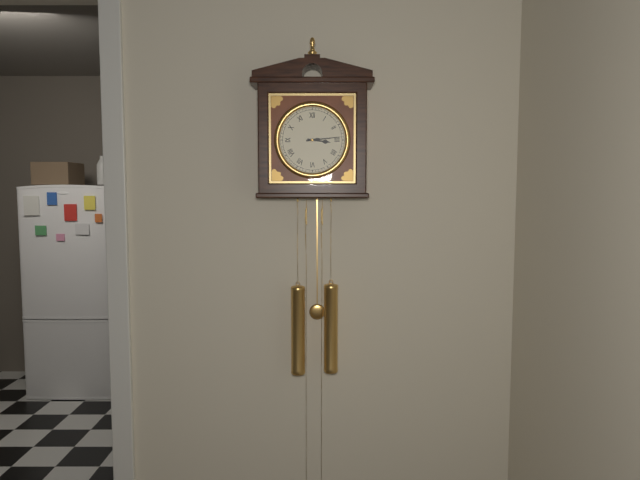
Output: 3h14
